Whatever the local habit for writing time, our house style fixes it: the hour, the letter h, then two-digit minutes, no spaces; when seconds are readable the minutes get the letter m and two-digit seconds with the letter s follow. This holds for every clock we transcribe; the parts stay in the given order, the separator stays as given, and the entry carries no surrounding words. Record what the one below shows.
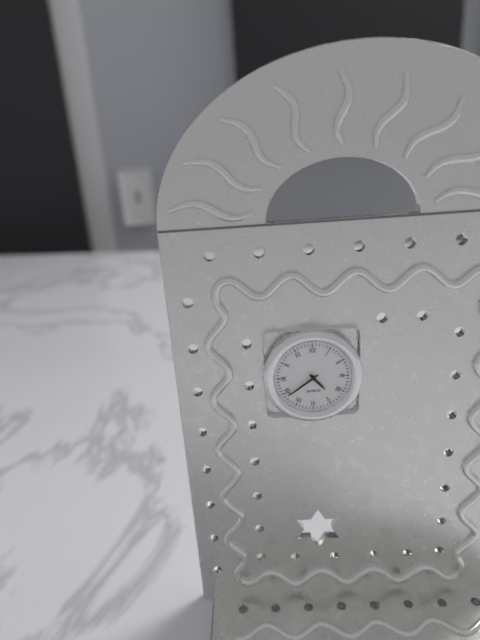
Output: 4h39
